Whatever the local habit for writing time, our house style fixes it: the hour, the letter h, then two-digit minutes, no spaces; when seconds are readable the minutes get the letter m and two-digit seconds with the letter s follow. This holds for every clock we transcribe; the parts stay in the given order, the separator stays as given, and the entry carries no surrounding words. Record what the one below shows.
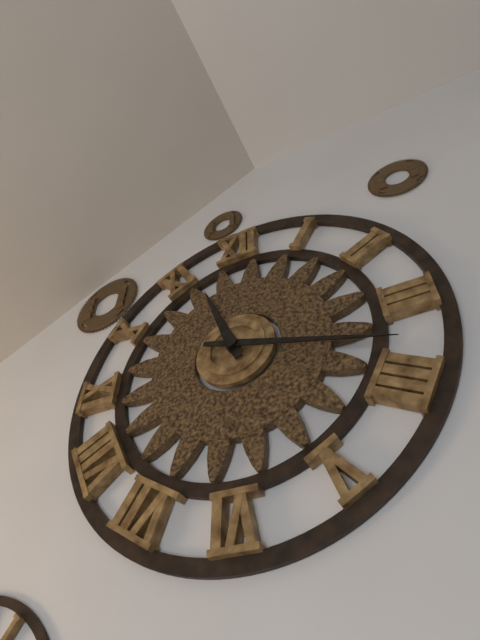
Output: 11h18
